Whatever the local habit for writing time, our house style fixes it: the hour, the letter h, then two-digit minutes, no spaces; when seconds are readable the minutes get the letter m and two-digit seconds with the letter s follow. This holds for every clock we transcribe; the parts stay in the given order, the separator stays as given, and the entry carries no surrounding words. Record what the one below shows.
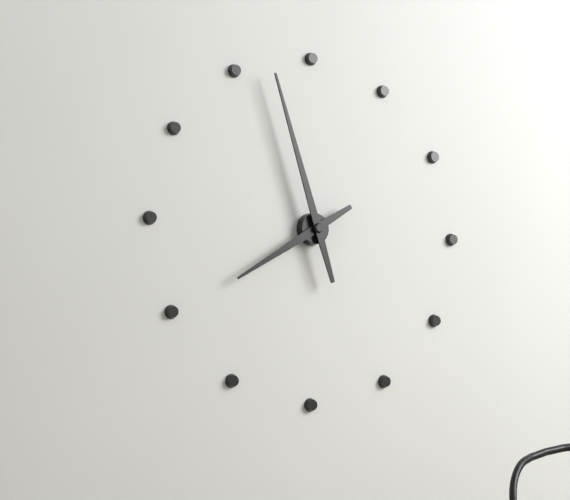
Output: 7h57
